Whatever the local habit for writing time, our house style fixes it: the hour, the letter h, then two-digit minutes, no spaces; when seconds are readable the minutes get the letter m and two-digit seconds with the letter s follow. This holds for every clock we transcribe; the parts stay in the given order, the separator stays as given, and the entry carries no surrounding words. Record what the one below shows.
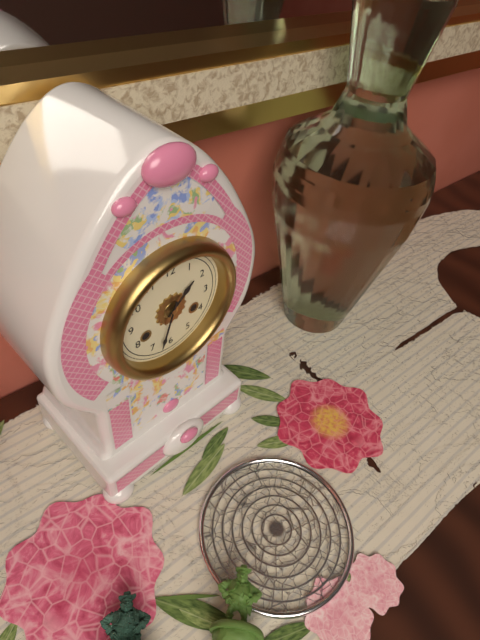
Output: 1h33
